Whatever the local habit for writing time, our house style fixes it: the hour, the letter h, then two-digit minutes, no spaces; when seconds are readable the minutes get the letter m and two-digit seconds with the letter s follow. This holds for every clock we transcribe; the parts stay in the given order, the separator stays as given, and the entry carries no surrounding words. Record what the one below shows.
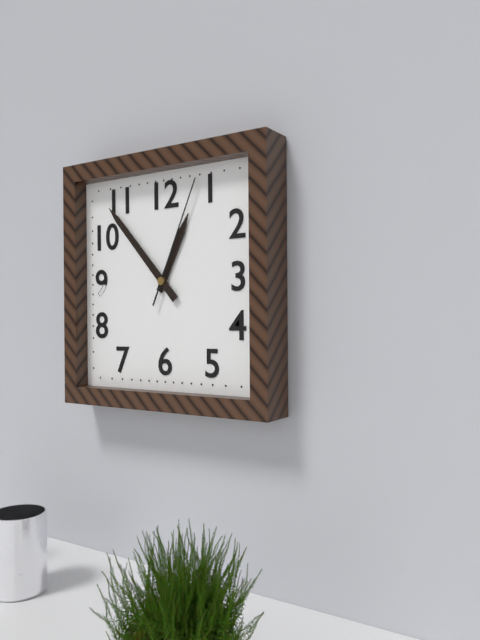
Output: 12h53m04s
